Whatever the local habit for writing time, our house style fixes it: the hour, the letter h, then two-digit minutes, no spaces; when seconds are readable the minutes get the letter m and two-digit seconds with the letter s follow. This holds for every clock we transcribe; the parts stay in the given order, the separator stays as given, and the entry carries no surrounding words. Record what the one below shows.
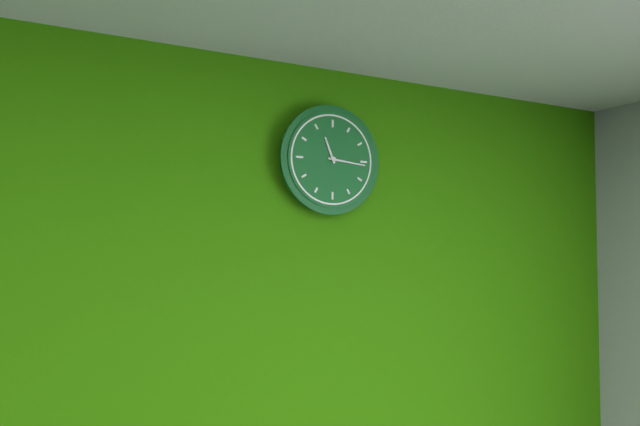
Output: 11h16
